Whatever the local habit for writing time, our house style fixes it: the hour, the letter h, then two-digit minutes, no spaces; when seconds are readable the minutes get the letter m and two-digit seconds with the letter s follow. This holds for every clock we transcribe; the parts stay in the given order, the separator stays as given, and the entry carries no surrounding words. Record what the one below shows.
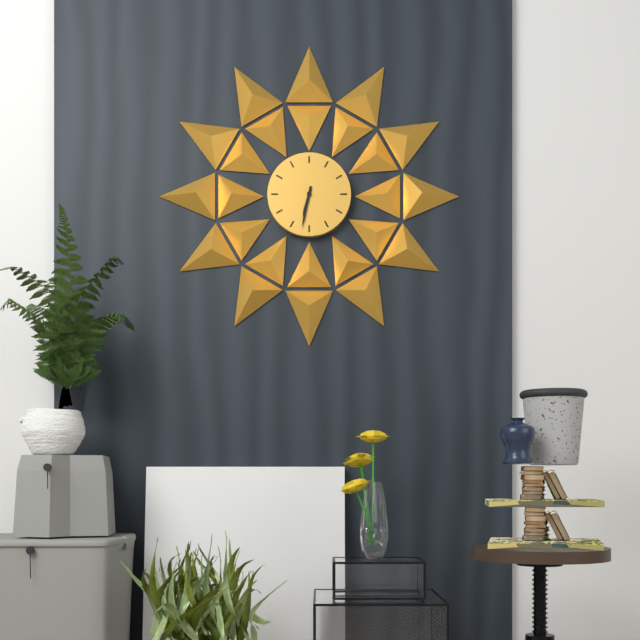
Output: 6h32
